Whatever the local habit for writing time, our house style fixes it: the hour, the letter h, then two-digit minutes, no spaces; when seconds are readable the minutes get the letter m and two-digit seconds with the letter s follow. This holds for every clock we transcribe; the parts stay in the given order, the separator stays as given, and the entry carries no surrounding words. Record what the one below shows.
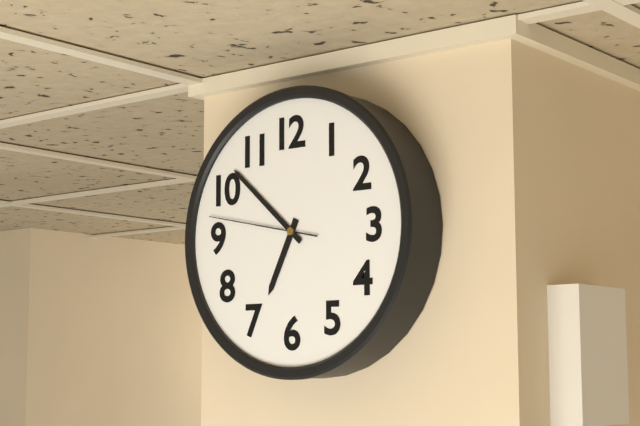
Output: 6h52m47s
